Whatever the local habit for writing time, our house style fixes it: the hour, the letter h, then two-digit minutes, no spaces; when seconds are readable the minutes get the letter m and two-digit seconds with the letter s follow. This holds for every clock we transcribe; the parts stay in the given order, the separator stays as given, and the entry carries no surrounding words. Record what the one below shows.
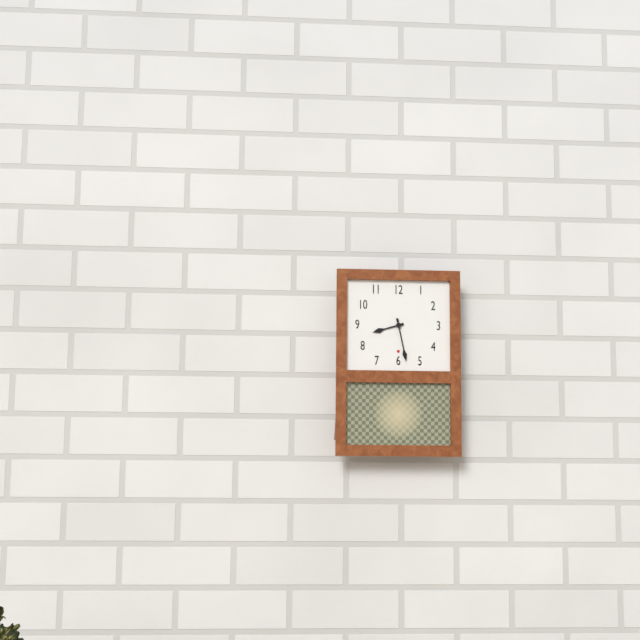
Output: 8h28
